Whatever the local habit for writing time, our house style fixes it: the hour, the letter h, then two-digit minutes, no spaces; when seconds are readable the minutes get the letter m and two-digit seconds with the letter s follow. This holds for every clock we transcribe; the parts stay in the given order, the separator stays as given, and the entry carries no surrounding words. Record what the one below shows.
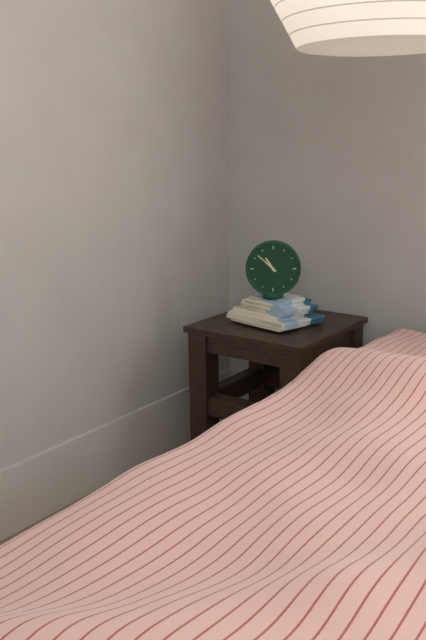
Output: 10h52
